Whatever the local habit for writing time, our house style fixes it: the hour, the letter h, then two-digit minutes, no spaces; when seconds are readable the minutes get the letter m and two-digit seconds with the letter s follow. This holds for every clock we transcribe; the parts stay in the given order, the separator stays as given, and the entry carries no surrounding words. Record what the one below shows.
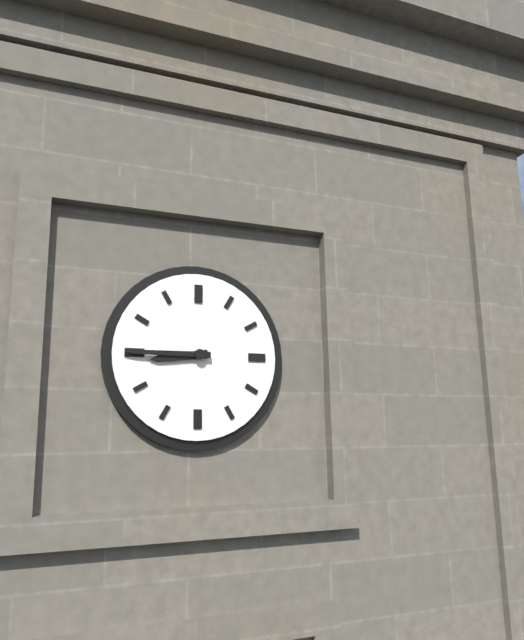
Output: 8h45
